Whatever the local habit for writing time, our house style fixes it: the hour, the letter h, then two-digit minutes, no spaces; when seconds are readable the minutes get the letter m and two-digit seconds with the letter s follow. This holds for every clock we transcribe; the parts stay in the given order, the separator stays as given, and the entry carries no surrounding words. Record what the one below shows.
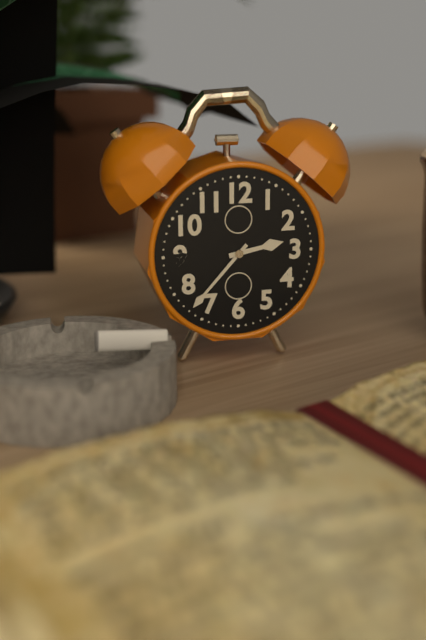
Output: 2h37
